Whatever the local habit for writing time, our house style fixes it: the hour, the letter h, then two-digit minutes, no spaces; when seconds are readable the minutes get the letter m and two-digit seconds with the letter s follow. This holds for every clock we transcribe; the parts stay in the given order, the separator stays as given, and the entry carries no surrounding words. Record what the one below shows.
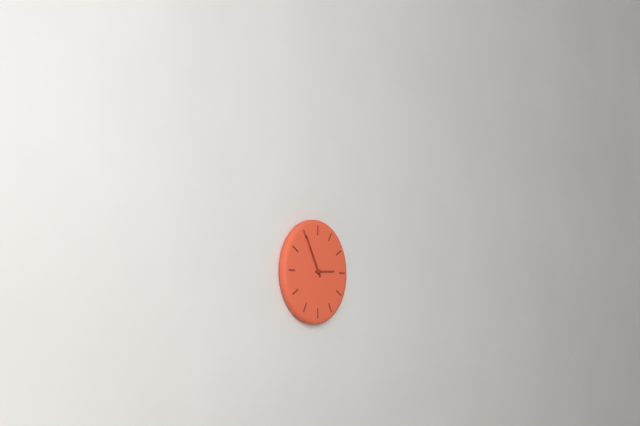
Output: 2h55
